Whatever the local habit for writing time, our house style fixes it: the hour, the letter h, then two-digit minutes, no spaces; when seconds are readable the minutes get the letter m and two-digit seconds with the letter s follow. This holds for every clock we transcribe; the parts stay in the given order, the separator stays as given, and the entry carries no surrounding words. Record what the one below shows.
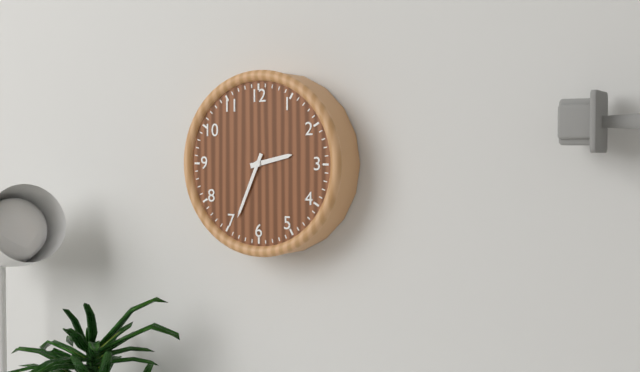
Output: 2h34
